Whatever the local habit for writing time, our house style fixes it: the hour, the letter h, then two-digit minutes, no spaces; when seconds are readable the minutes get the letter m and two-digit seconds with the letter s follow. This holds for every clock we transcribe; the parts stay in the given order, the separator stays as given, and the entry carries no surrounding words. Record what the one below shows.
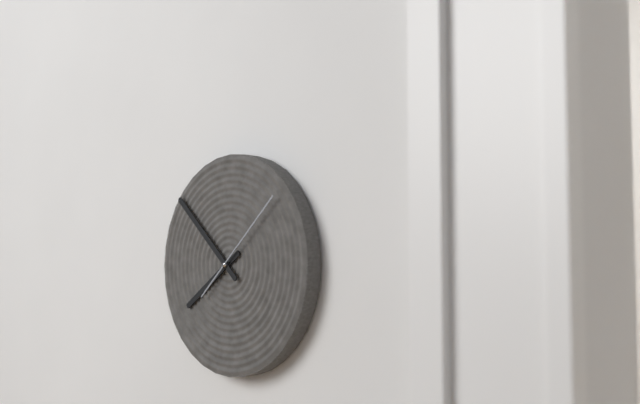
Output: 7h52m08s
